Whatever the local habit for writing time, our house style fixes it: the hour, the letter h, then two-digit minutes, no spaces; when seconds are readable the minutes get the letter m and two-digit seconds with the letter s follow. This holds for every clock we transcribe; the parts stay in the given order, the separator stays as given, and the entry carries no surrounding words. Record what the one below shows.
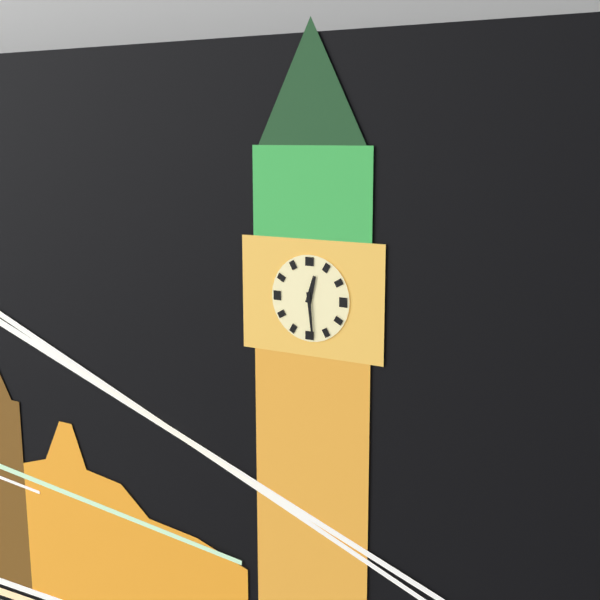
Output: 12h29
